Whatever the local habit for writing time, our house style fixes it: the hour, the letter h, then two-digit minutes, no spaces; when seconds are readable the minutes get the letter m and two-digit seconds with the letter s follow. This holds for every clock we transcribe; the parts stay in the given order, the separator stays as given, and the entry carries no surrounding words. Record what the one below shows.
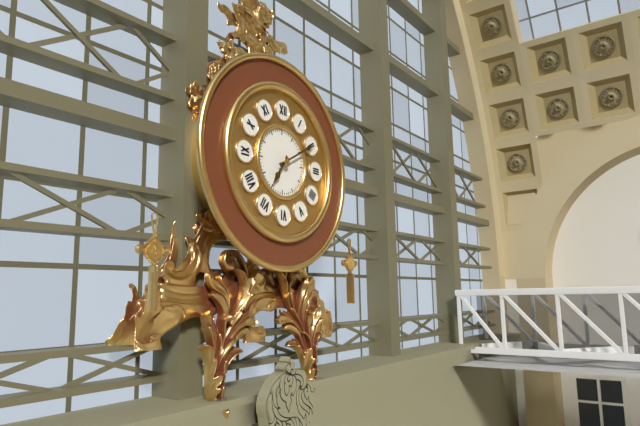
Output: 7h10
